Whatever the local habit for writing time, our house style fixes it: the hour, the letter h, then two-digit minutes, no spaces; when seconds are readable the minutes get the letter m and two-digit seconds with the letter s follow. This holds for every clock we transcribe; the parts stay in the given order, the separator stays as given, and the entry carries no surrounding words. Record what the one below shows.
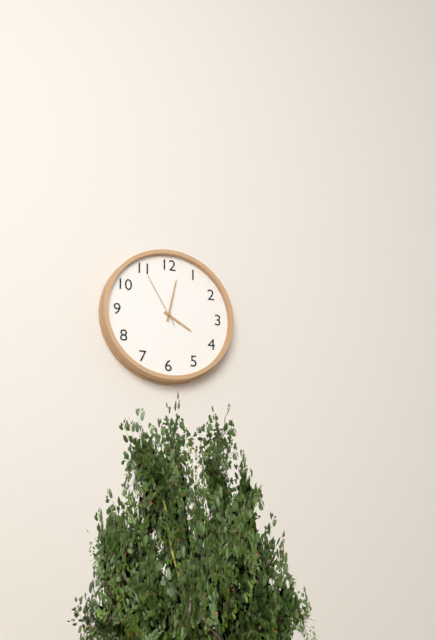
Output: 4h02m55s
